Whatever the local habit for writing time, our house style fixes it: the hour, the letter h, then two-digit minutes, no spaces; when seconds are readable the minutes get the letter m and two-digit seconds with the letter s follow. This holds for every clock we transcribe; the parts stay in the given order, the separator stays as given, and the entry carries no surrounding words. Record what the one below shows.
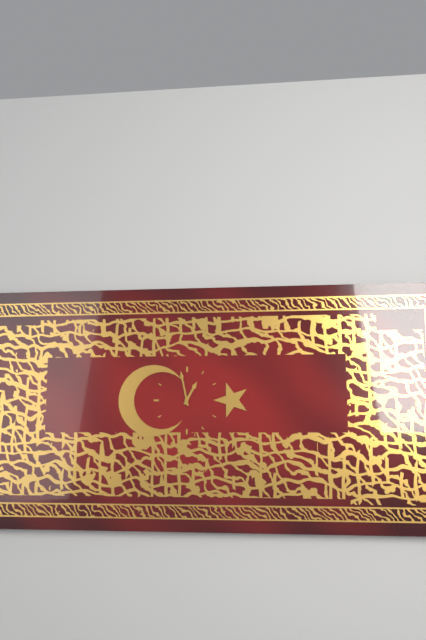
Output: 12h58
